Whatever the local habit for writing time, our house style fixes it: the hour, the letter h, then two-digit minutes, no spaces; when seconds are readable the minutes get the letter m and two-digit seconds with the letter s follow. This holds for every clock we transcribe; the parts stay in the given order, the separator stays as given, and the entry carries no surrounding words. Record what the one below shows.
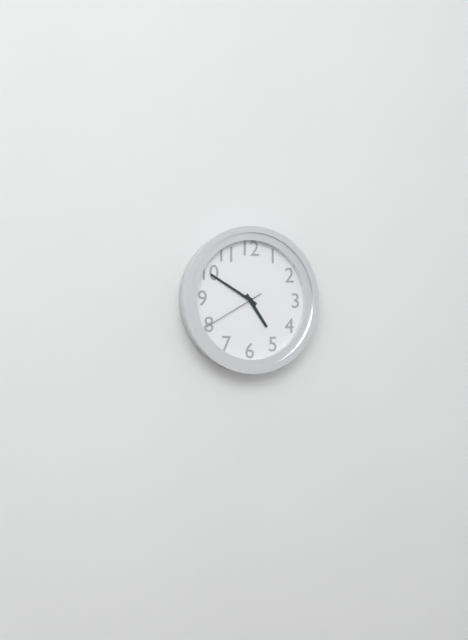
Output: 4h50m40s
